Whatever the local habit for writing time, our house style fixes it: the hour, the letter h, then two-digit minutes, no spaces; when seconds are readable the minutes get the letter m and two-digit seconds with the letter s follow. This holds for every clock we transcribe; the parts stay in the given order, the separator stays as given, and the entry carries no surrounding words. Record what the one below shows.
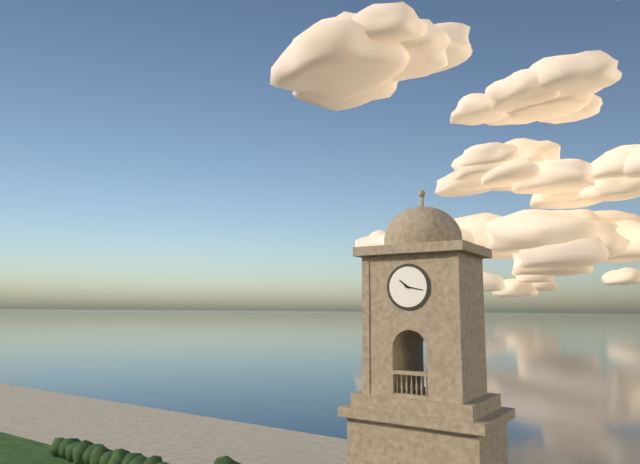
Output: 10h17
